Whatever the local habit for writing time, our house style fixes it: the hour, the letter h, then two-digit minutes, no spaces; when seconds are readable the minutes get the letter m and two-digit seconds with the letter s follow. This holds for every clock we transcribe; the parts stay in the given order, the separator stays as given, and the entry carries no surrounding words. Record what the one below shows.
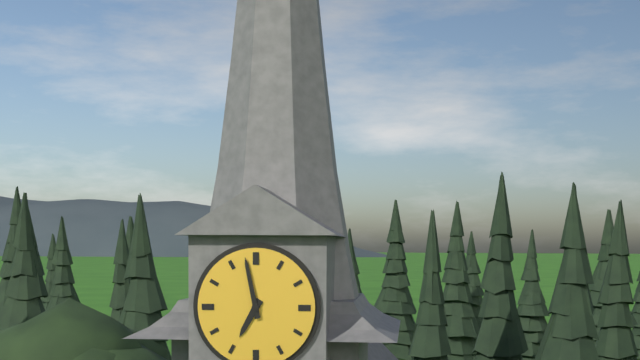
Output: 6h58
